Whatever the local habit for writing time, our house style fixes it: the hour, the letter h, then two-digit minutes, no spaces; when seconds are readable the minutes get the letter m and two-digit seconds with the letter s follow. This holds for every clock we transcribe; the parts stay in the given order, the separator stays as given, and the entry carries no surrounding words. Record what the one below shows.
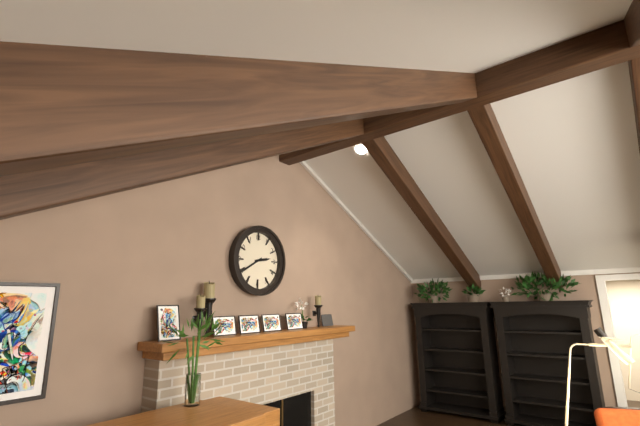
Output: 2h40
